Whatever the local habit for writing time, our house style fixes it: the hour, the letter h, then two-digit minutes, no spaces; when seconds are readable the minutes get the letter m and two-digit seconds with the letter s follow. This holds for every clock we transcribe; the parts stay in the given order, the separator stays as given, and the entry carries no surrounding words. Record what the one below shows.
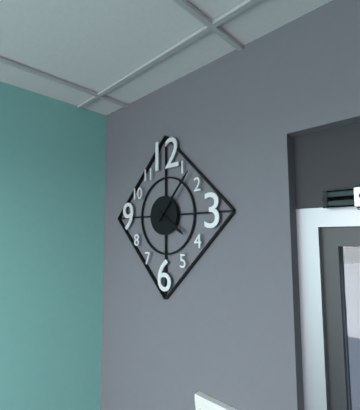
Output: 4h07
